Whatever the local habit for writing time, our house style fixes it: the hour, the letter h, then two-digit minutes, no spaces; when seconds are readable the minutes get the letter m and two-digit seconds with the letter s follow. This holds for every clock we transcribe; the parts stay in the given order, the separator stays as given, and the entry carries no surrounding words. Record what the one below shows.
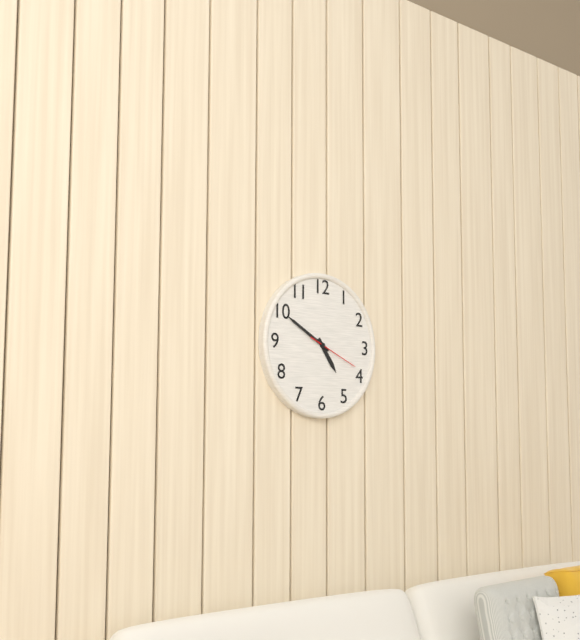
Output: 4h50m19s
